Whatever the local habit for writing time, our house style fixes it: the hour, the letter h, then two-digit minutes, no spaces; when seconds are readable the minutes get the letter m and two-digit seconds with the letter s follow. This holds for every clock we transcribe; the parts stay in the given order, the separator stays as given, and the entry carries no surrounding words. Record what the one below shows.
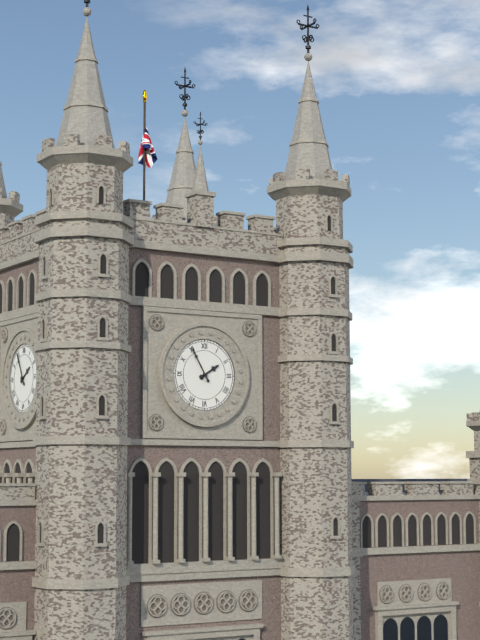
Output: 1h55
